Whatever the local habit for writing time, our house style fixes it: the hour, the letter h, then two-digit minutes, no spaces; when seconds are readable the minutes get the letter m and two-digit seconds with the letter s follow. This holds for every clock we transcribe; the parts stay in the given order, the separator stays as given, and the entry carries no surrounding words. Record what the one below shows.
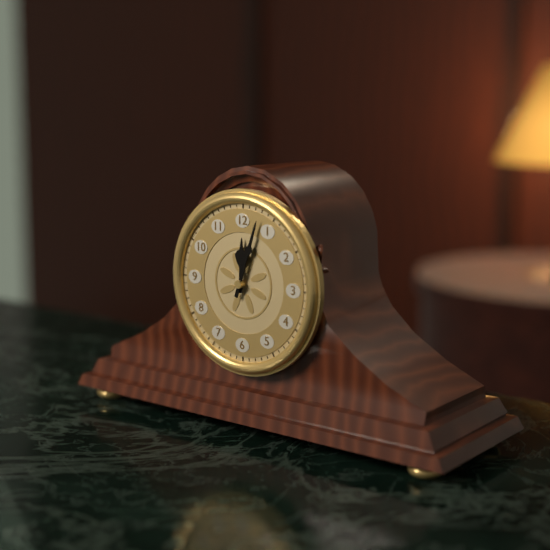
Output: 12h03
